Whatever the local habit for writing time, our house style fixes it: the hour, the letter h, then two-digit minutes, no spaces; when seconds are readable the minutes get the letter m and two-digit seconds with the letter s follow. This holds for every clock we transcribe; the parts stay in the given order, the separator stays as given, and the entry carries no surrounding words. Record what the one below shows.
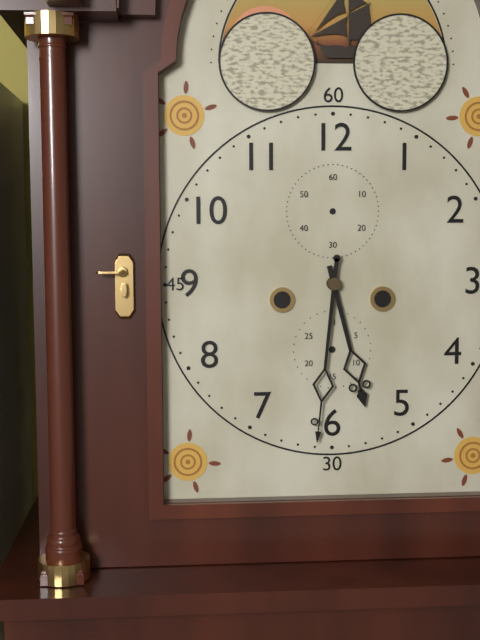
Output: 5h31
